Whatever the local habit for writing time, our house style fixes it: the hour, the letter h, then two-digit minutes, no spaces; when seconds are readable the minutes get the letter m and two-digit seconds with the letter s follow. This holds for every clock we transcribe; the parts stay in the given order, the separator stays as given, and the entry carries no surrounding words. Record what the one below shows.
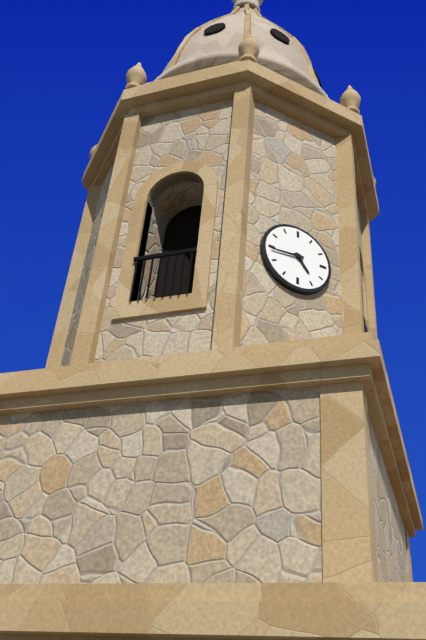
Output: 4h44
